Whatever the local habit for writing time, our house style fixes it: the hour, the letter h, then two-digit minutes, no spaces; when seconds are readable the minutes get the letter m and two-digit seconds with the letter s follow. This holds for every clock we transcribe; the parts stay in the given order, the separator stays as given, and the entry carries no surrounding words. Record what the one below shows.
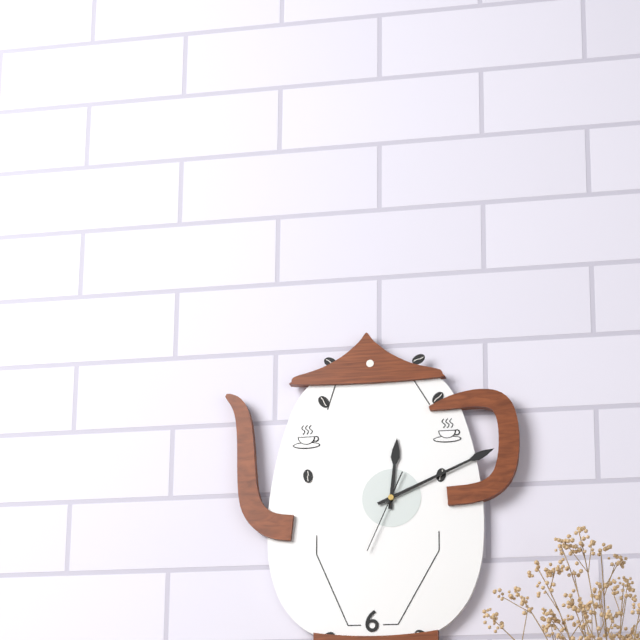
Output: 12h11m34s
